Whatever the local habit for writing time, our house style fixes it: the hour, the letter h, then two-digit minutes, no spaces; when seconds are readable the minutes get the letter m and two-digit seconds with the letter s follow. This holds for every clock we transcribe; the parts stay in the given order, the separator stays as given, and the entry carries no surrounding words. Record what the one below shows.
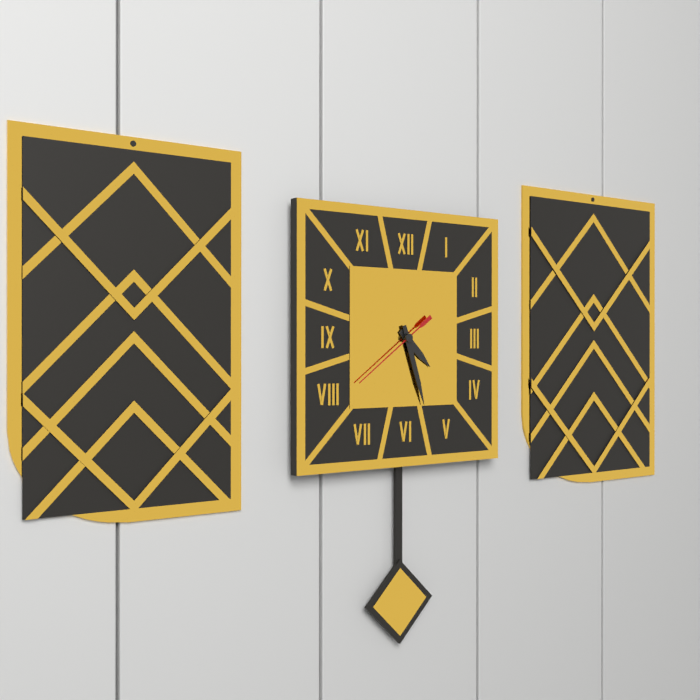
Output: 4h27m39s
